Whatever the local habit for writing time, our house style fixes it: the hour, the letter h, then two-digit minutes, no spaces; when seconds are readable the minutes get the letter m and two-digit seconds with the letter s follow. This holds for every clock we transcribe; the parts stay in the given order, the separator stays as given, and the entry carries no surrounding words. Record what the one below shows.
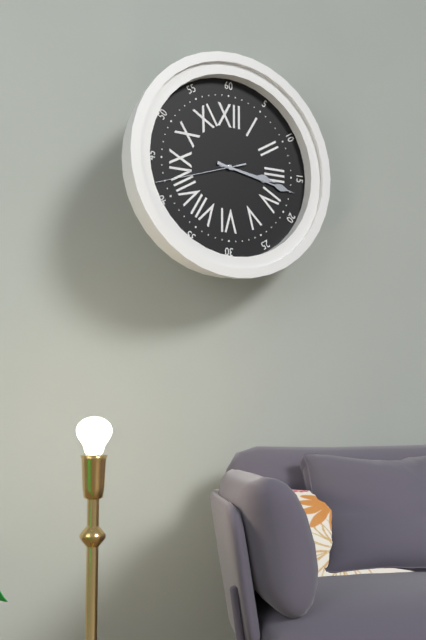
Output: 3h17m42s
